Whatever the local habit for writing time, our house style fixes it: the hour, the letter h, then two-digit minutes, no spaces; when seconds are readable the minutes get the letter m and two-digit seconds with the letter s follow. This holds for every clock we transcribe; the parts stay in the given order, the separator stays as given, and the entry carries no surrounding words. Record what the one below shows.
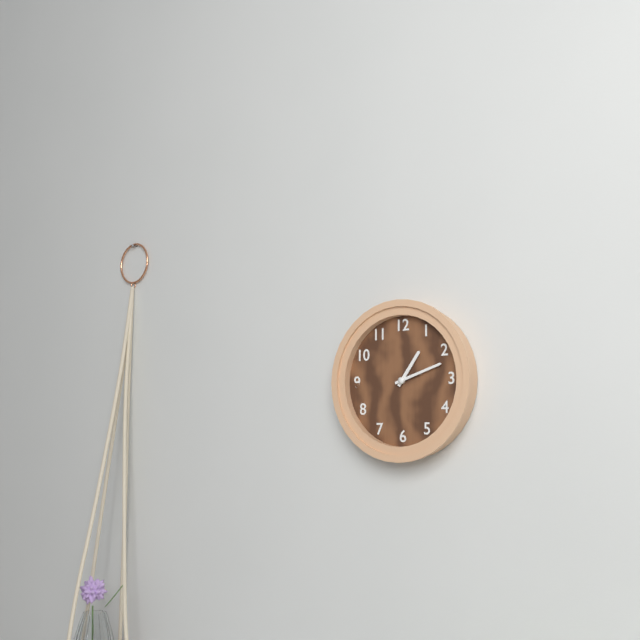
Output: 1h12
